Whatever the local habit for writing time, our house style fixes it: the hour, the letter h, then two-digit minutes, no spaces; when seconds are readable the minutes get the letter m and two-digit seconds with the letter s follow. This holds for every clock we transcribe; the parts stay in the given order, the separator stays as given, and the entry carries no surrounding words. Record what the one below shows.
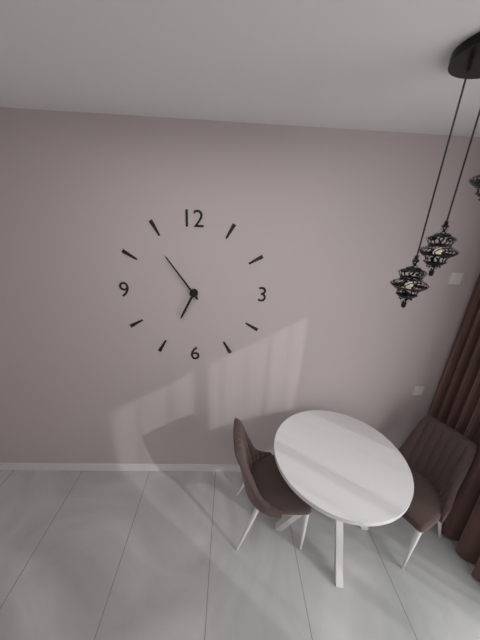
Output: 6h54
